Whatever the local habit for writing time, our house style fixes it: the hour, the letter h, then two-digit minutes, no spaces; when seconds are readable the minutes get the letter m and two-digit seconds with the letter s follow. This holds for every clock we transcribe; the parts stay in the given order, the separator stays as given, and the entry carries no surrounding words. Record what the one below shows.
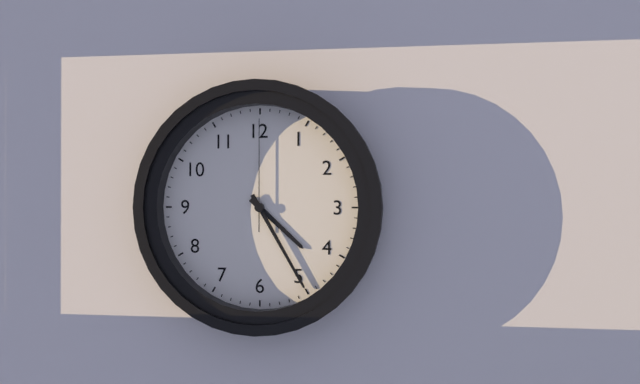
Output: 4h25m00s
